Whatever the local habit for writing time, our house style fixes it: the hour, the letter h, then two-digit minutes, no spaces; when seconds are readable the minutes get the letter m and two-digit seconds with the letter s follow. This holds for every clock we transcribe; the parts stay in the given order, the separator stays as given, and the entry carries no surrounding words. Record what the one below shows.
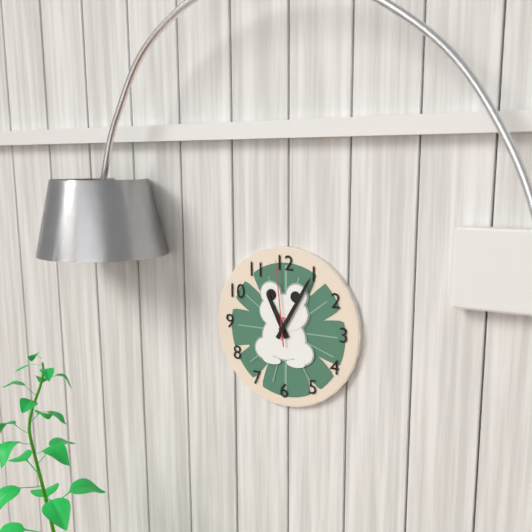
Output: 11h05m59s
